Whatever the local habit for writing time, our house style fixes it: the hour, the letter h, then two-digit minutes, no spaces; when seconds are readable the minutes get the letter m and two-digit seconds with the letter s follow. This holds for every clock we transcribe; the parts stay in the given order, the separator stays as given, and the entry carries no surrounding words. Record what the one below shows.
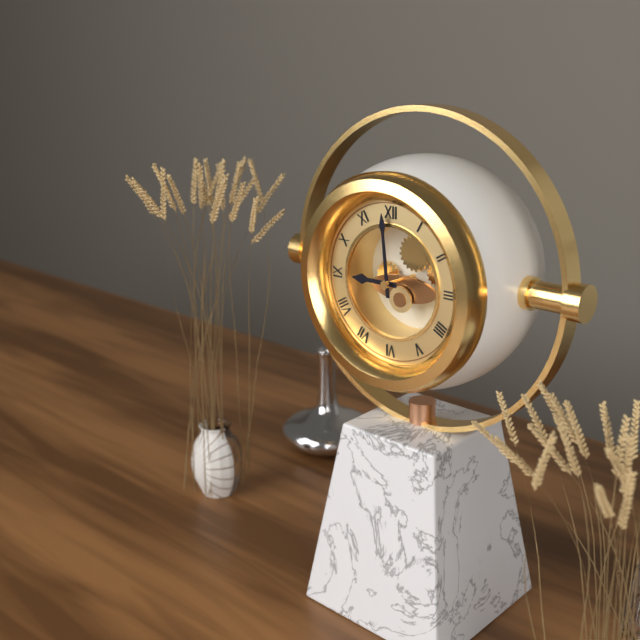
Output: 8h59
